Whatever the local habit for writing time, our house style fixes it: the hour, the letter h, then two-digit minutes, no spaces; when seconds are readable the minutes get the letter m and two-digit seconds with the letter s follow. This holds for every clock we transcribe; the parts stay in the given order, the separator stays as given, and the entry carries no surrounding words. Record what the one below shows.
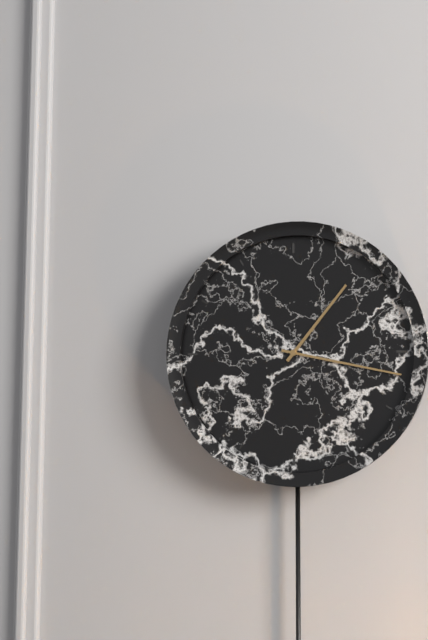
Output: 1h17
